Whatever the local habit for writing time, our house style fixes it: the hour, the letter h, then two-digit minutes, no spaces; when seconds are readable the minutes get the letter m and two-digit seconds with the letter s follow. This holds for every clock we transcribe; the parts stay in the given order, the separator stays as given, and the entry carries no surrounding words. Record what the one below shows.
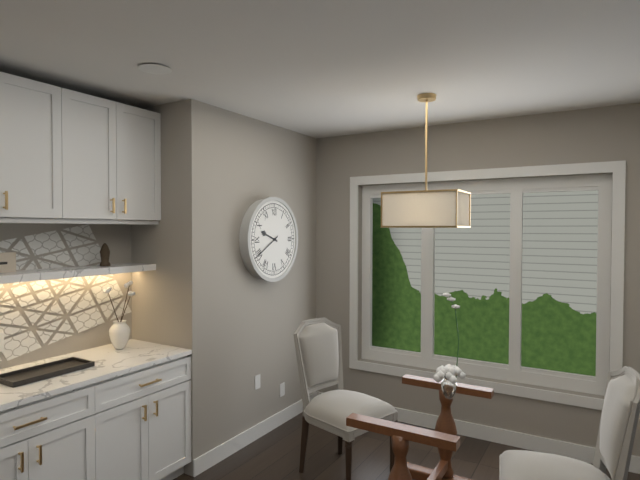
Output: 9h40
